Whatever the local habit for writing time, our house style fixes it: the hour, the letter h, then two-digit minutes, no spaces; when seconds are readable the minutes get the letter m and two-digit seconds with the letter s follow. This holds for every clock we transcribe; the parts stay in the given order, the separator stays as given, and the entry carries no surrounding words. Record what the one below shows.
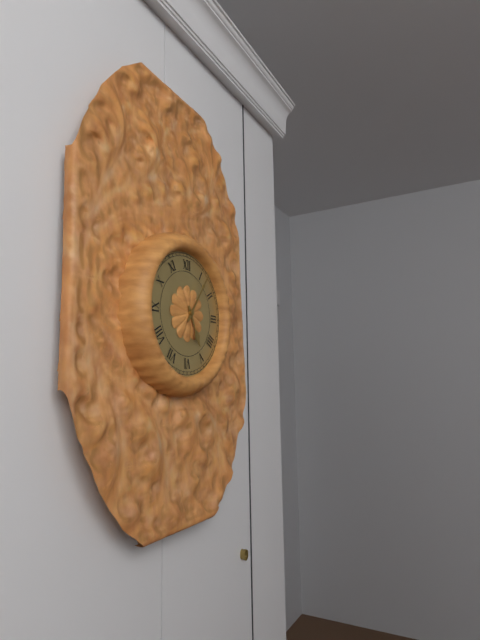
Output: 5h06
